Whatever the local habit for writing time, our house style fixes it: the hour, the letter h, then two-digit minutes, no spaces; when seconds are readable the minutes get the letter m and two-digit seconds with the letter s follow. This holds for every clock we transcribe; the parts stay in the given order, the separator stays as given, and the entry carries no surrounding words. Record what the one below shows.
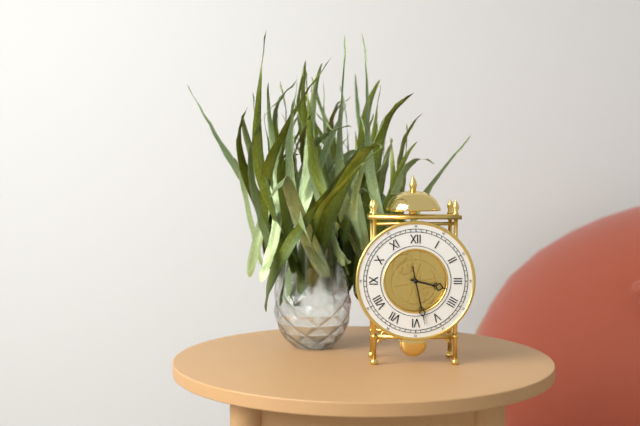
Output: 3h28
